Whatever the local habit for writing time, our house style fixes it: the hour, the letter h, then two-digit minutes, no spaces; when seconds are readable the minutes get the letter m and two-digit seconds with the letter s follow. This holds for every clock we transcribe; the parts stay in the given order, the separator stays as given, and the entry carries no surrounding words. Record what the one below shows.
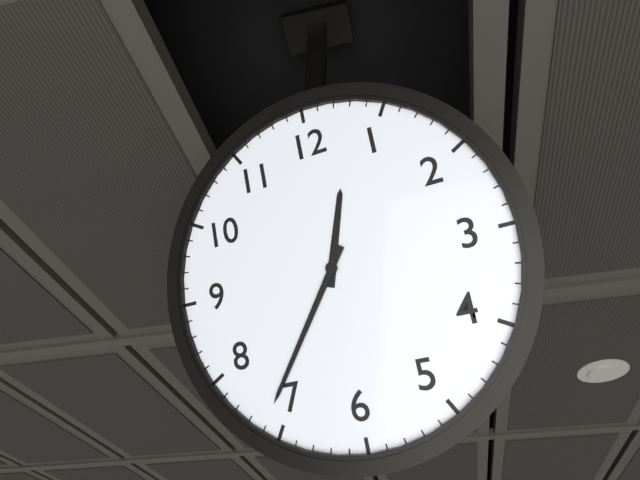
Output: 12h36
